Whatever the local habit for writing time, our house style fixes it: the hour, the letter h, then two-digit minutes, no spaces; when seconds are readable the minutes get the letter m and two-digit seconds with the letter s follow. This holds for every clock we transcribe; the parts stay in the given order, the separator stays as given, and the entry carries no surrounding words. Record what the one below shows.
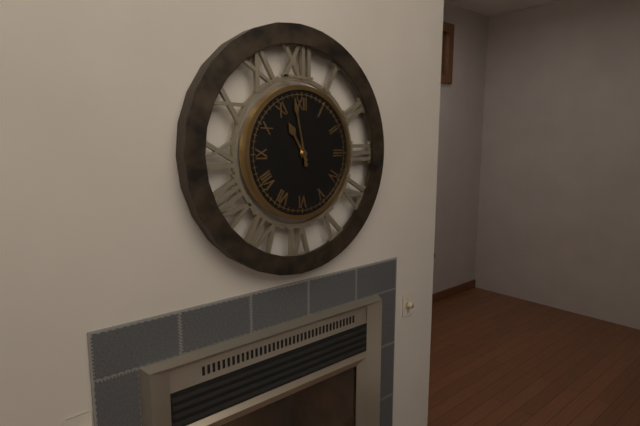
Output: 10h58
